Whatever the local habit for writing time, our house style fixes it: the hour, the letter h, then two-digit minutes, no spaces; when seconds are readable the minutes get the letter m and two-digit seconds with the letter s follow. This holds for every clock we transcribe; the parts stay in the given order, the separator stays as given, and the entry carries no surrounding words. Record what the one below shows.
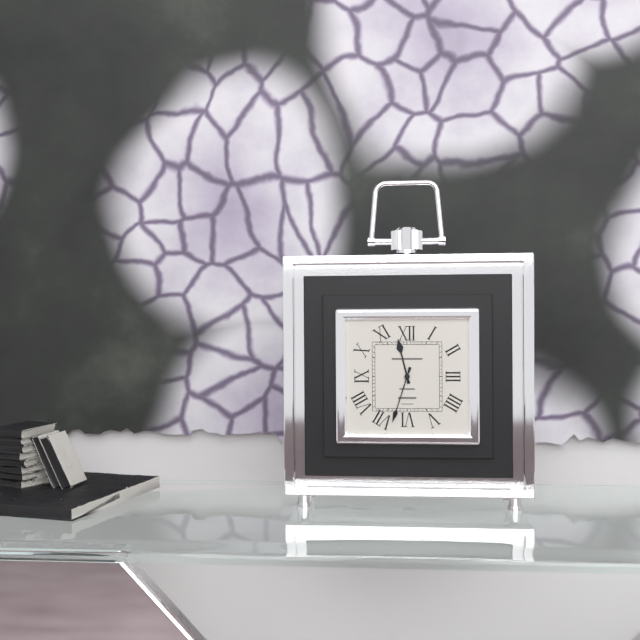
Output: 11h33
